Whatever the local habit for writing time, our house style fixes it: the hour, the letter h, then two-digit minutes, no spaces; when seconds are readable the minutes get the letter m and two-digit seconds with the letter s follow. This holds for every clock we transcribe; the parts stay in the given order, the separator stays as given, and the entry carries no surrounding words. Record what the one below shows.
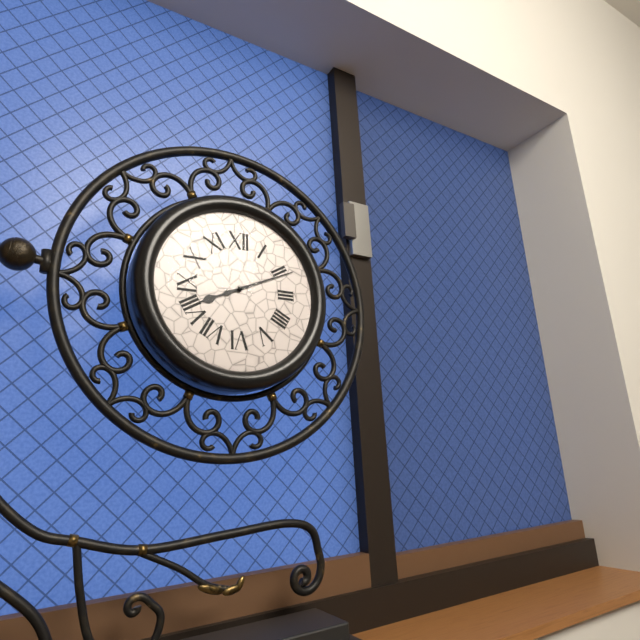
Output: 8h11
